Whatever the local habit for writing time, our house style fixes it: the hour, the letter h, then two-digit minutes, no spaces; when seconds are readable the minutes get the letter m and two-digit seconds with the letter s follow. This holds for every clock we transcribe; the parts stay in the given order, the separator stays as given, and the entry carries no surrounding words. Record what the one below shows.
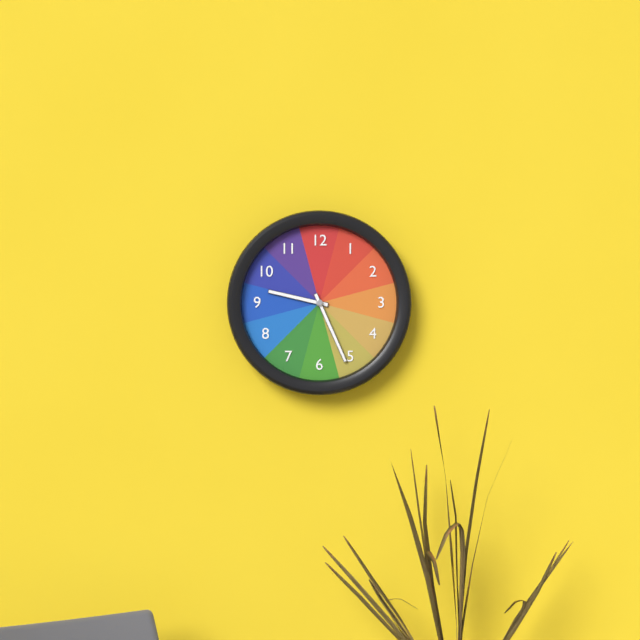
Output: 9h26
